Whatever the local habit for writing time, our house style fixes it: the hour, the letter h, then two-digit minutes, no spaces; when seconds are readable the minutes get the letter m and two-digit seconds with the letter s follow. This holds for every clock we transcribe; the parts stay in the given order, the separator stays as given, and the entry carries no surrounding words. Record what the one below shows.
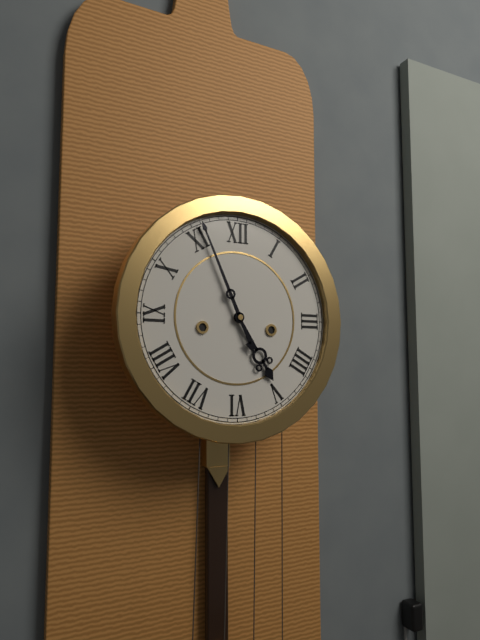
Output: 4h56
